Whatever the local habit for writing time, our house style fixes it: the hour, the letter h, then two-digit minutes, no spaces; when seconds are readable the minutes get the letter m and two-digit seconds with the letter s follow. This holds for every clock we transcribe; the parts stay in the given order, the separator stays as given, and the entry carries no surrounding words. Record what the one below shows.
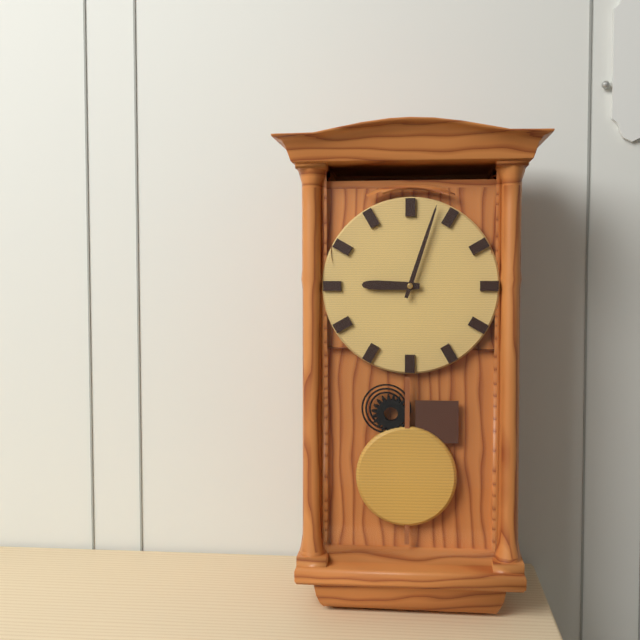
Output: 9h03
